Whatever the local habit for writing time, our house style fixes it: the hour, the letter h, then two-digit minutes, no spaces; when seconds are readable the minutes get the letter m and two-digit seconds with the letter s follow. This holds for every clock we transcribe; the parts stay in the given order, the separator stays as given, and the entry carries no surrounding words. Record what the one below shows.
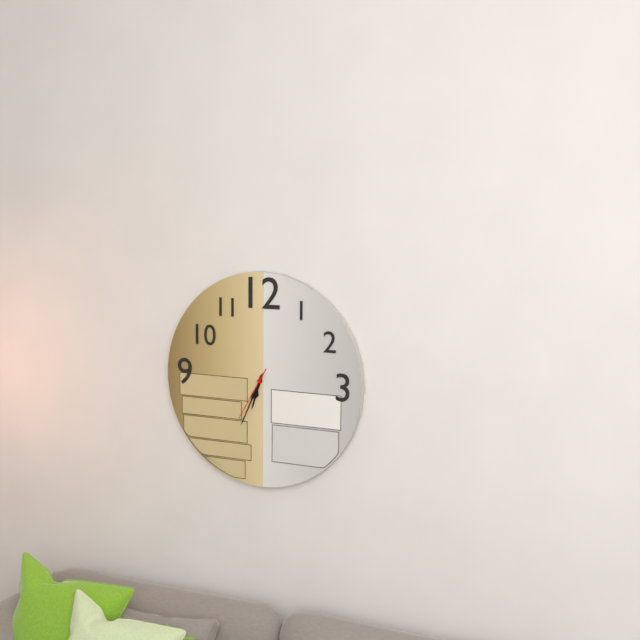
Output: 6h34m35s
